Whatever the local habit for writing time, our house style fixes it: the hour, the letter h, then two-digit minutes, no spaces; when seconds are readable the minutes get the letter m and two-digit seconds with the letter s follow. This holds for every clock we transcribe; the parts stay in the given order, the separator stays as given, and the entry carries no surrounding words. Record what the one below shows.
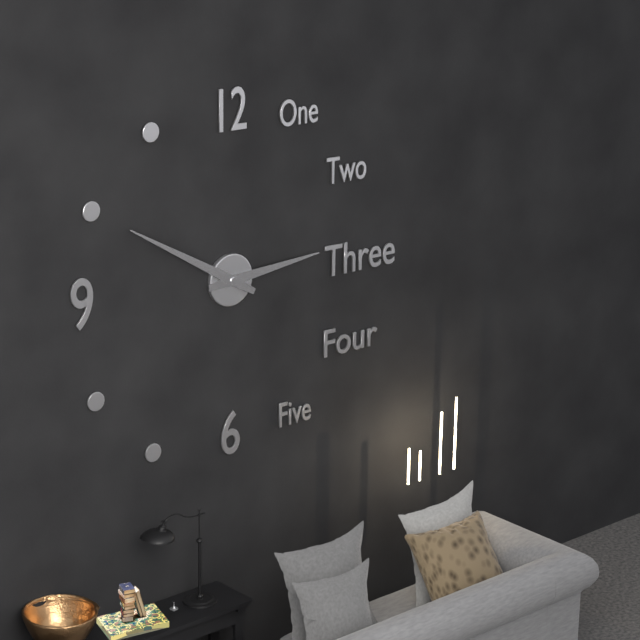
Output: 2h50
